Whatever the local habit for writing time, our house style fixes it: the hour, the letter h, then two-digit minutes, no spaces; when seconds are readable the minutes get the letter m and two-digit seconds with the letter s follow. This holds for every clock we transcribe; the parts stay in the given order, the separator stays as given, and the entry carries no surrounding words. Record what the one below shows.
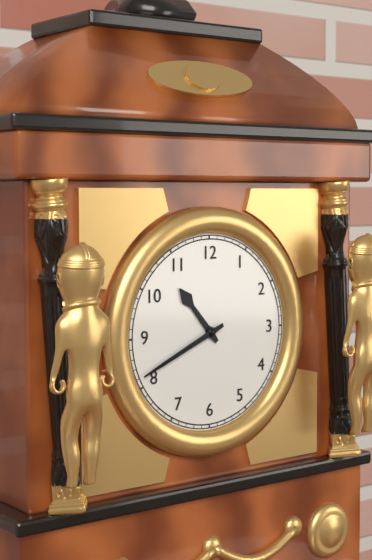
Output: 10h41
